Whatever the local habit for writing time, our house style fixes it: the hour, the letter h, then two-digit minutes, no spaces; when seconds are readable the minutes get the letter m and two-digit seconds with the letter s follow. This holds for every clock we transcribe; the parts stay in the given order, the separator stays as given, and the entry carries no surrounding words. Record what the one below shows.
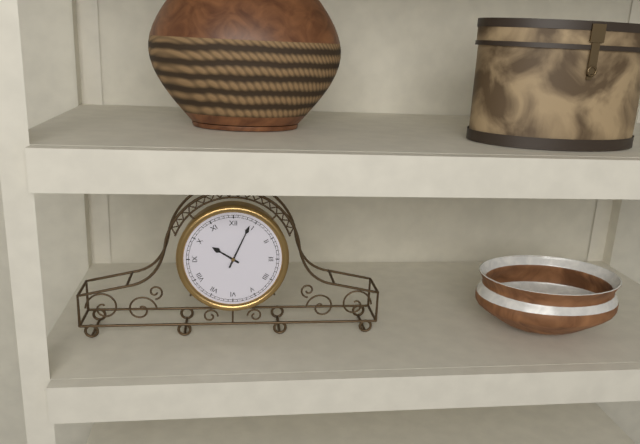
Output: 10h04
